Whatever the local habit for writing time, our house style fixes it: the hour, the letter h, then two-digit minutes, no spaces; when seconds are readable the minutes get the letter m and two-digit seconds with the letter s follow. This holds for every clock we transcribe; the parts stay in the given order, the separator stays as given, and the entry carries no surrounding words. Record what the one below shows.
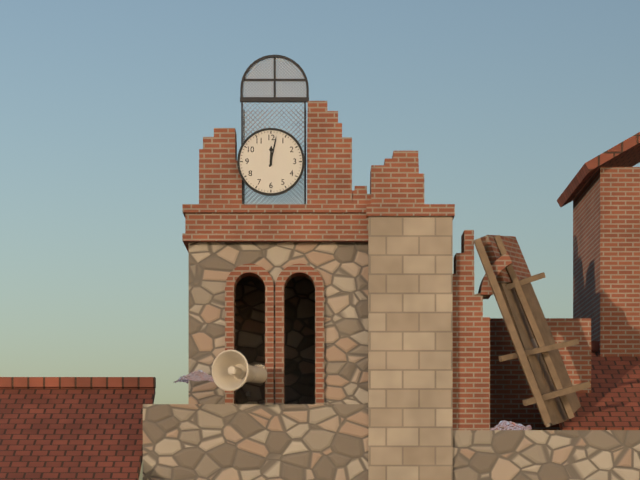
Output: 12h02
